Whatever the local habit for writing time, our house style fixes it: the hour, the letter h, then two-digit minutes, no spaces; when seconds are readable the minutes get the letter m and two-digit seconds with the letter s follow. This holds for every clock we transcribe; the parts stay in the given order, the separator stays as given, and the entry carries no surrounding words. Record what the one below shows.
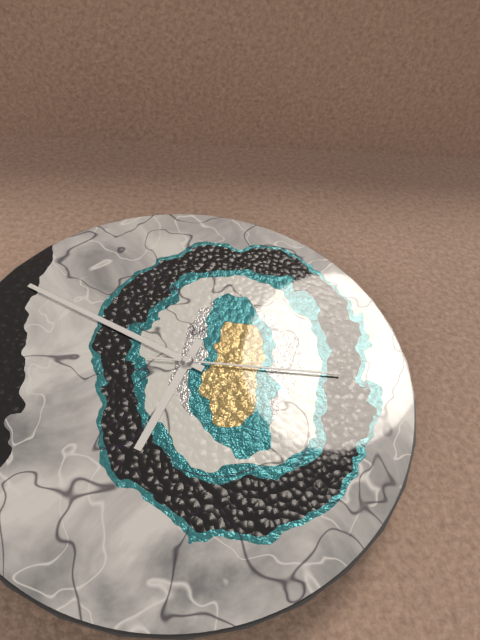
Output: 6h50m16s
